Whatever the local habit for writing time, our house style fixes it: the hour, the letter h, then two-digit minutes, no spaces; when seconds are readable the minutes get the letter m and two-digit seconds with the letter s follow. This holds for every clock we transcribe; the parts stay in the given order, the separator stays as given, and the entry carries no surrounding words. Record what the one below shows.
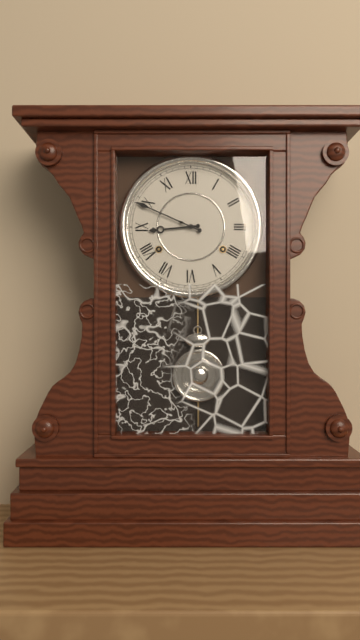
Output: 8h49
